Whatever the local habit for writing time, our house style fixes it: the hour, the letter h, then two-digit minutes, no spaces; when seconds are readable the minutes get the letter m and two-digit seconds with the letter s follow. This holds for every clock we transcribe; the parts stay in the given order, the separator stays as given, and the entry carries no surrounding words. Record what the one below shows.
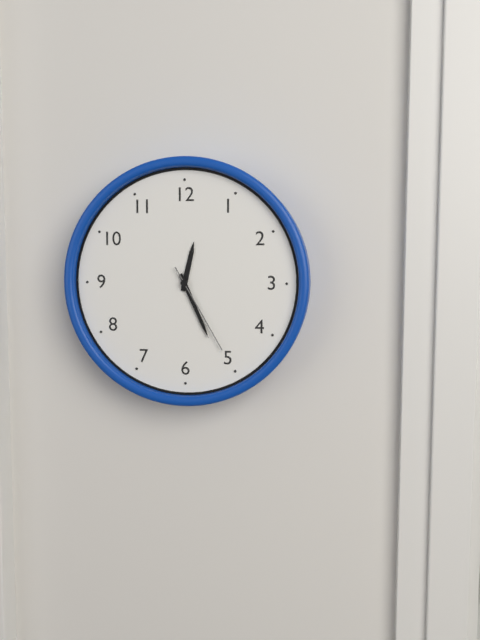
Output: 12h26m25s
